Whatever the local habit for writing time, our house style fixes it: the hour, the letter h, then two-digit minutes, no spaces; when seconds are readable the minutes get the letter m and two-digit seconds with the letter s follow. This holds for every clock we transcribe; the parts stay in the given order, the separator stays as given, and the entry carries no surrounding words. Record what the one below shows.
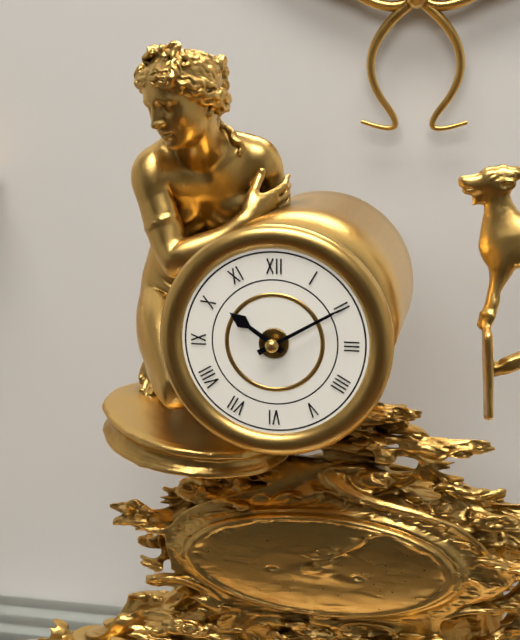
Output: 10h10
